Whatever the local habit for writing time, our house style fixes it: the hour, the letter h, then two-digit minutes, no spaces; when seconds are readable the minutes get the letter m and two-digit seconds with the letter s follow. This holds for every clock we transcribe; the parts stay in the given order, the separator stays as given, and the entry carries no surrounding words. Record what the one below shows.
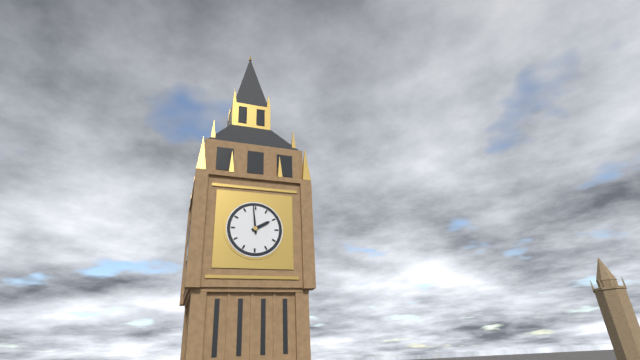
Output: 1h59
